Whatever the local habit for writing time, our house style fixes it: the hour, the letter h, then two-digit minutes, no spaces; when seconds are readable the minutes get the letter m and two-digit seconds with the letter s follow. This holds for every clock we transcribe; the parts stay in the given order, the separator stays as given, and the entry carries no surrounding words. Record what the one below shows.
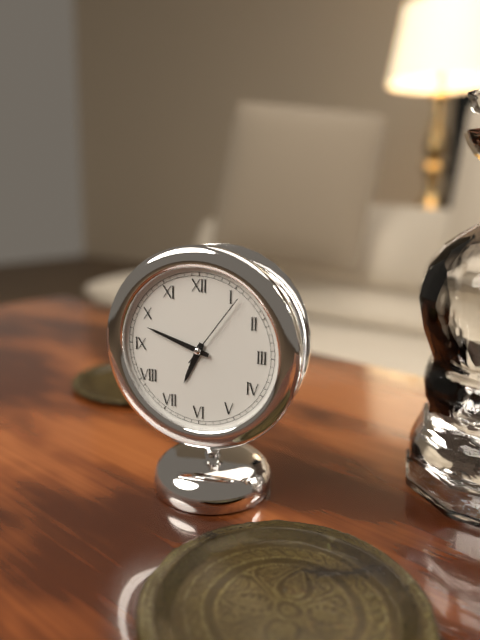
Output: 6h48m06s
